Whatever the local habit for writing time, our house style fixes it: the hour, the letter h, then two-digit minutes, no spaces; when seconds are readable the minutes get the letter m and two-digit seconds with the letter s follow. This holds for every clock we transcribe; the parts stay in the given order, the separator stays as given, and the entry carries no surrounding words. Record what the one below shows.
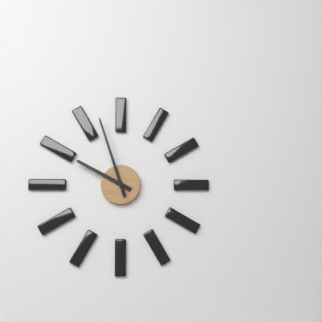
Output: 9h57
